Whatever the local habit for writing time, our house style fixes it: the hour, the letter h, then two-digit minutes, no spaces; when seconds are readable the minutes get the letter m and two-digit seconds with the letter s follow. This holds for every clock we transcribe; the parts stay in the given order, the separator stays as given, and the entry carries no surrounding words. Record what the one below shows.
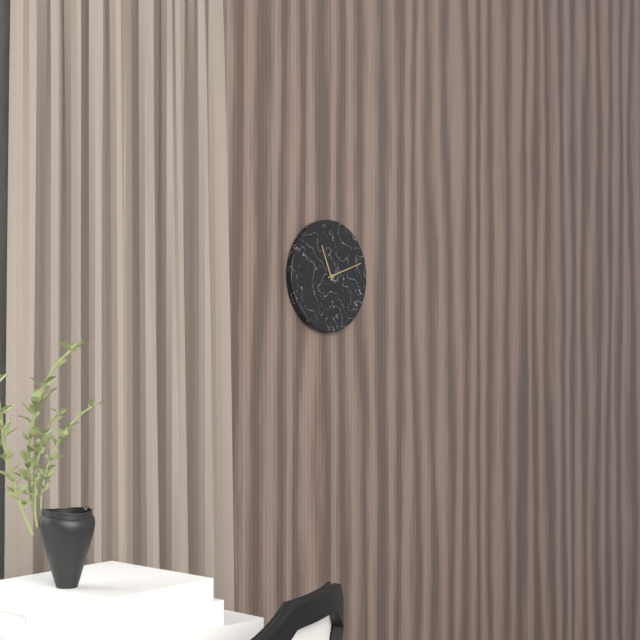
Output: 11h12
